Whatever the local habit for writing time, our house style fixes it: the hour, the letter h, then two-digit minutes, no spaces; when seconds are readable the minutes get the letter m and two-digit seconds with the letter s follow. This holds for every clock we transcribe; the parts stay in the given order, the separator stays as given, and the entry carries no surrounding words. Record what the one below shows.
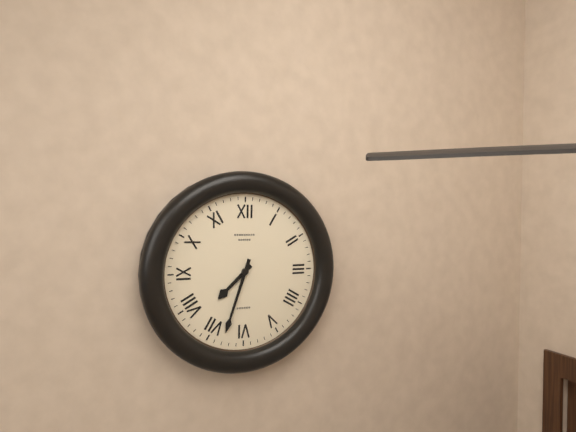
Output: 7h33
